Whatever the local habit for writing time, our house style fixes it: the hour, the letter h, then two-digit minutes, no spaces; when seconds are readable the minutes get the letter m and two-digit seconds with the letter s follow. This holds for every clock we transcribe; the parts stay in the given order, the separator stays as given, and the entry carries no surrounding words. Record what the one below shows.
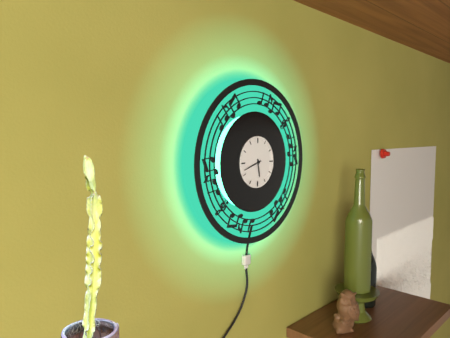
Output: 5h42
